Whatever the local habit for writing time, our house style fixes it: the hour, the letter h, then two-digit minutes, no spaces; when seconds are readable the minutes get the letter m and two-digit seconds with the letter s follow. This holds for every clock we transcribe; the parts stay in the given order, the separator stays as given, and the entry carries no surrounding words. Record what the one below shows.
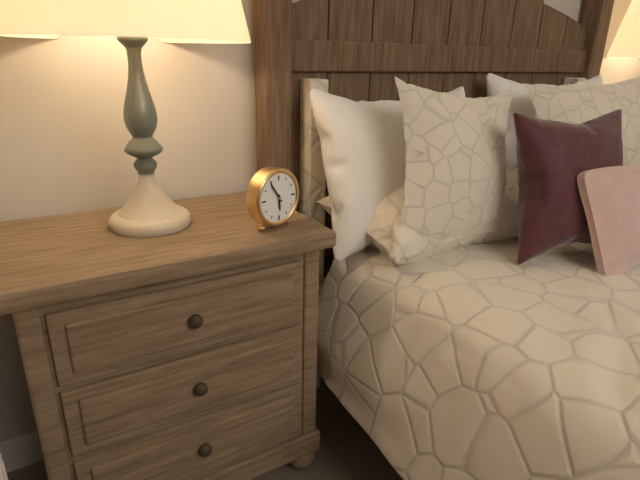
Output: 5h54
